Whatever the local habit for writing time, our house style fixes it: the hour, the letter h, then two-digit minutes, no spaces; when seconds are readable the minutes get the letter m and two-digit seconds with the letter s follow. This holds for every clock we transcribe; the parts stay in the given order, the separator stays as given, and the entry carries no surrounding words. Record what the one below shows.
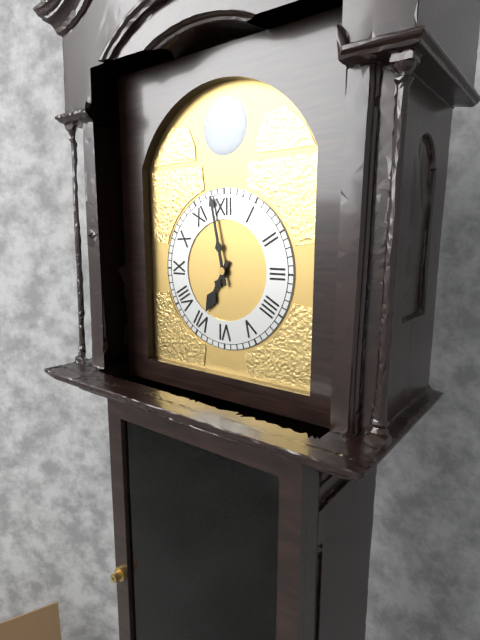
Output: 6h58
